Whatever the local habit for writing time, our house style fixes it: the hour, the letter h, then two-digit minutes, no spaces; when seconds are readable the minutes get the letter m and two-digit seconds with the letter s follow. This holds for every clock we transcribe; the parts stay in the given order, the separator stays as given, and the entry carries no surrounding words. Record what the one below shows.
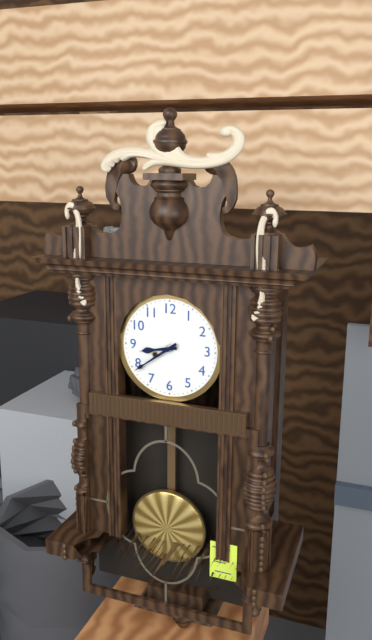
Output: 8h39
